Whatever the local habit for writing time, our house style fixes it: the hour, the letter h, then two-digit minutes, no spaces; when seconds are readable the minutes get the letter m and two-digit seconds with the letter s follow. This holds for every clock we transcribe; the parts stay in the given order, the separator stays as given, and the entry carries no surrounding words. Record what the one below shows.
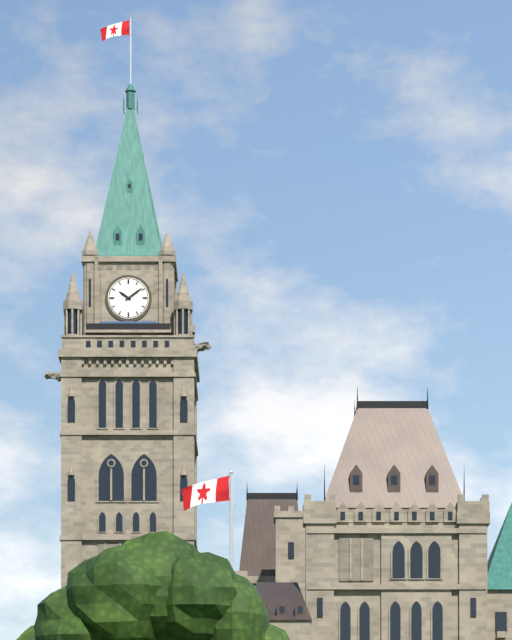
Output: 10h09
